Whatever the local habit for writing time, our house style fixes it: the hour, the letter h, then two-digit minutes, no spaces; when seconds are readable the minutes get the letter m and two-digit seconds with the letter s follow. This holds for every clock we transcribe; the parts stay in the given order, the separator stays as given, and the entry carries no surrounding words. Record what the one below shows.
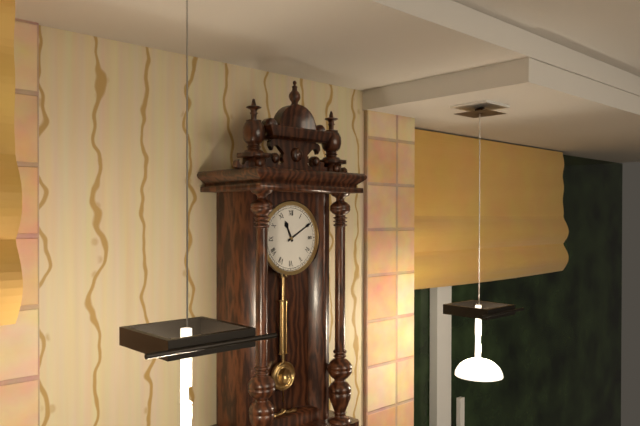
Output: 11h10
